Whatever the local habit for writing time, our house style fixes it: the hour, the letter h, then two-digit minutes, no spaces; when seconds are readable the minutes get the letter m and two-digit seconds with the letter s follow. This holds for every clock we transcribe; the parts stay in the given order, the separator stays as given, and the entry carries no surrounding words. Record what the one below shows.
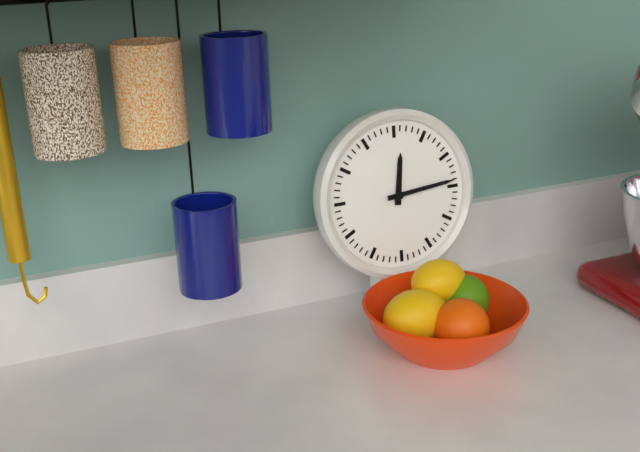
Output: 12h14
